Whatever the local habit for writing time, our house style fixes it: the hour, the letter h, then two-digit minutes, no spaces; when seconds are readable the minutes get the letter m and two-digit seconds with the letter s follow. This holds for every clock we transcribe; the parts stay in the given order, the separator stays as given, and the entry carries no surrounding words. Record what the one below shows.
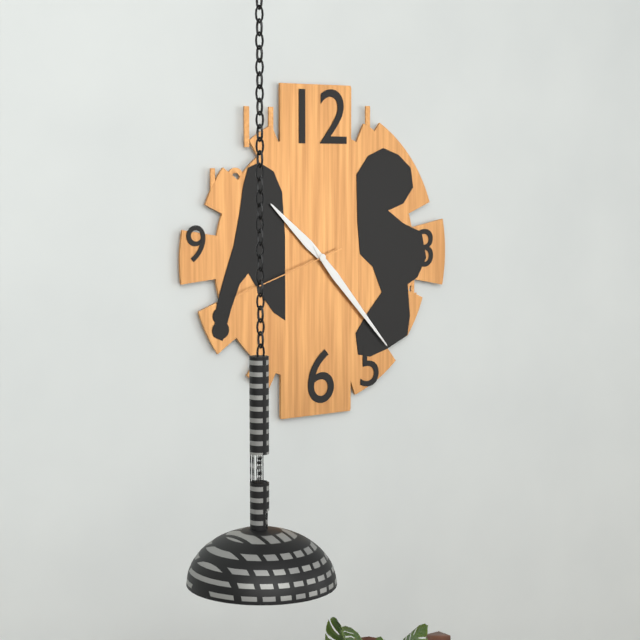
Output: 10h23m42s
